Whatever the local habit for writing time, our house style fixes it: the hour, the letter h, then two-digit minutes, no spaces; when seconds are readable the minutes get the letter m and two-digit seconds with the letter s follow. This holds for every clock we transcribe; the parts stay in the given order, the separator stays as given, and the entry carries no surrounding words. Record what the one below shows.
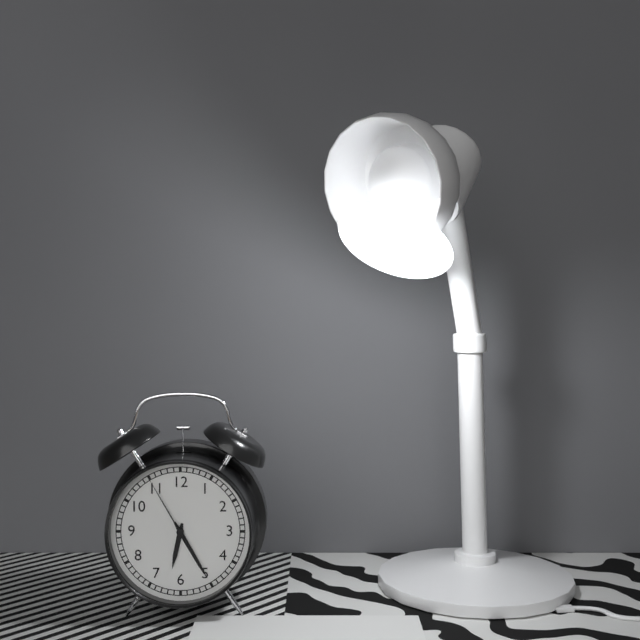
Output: 6h25m55s
